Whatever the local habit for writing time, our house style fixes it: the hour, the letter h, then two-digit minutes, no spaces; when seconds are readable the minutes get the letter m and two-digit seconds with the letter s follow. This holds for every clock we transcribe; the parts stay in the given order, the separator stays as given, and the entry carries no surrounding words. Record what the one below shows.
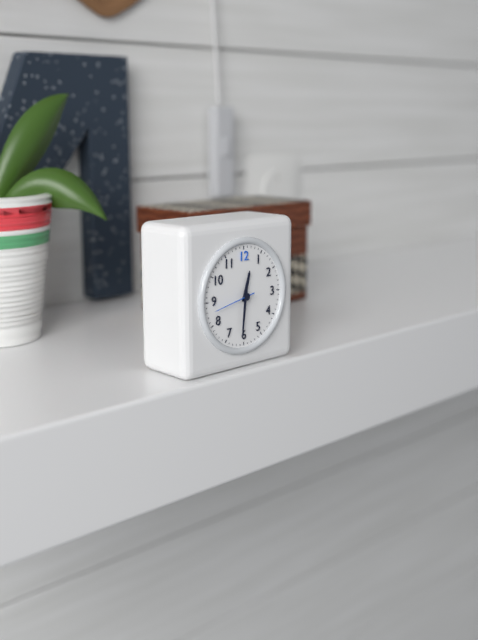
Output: 12h31
